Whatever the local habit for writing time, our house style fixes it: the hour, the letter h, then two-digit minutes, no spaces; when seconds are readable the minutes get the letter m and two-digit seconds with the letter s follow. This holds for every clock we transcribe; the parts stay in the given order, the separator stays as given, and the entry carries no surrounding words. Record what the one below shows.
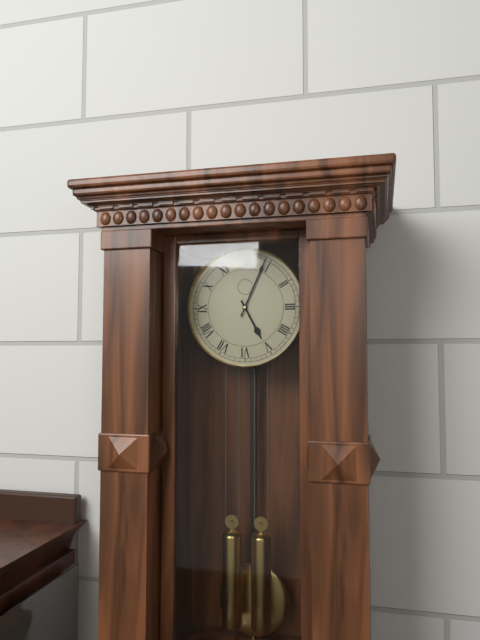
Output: 5h04
